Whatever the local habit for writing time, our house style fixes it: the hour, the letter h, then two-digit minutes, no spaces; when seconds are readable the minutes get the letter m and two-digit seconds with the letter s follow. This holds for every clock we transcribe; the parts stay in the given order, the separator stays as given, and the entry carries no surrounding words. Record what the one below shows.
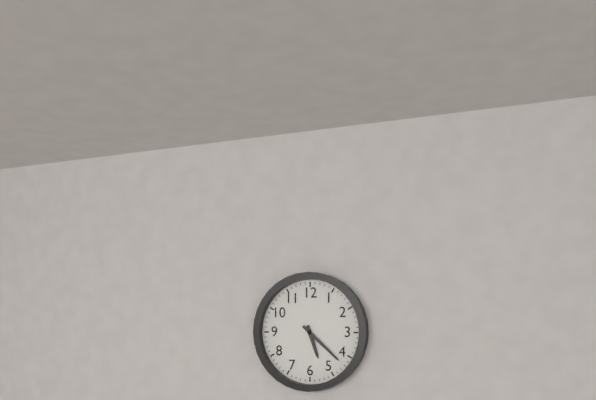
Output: 5h22
